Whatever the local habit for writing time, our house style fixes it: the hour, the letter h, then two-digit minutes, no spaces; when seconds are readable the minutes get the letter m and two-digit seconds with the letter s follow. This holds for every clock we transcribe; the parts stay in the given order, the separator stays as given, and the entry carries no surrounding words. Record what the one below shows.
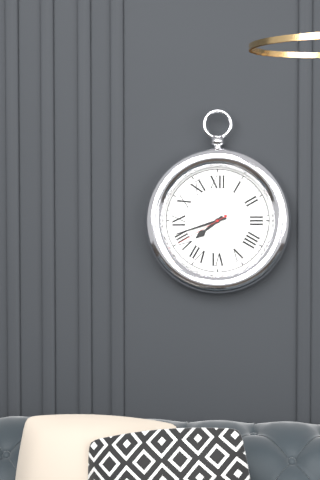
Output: 7h42m40s
